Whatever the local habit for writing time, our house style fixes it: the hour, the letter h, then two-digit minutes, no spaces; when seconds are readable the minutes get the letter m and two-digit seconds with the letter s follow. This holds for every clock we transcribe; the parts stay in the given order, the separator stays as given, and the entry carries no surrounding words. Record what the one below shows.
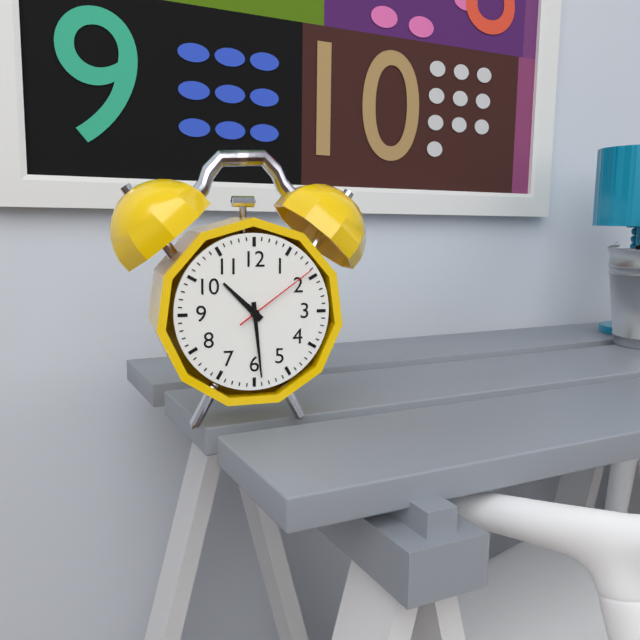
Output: 10h29m09s
